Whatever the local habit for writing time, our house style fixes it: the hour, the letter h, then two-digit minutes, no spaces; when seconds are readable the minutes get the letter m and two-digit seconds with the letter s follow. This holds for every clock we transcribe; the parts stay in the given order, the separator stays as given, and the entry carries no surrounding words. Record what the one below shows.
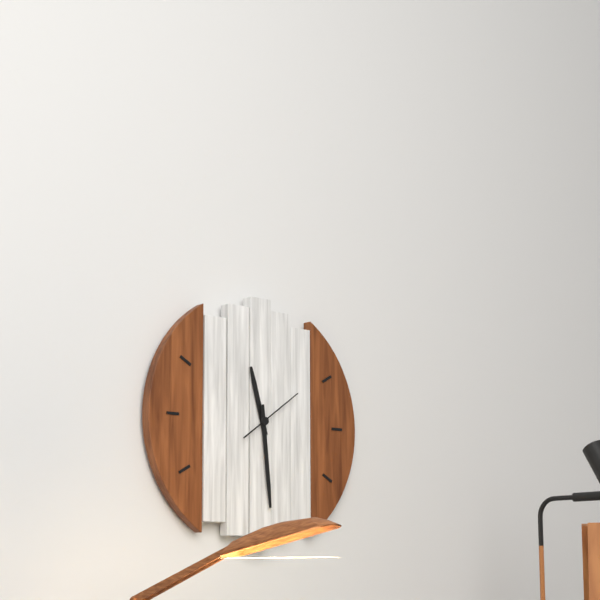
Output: 11h29m09s
